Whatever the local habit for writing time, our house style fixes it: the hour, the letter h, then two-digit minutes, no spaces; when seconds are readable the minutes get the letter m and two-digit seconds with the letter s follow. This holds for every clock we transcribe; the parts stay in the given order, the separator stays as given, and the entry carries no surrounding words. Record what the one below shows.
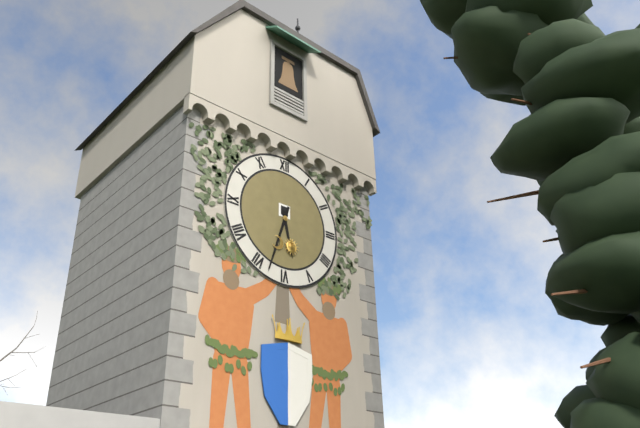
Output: 5h33
